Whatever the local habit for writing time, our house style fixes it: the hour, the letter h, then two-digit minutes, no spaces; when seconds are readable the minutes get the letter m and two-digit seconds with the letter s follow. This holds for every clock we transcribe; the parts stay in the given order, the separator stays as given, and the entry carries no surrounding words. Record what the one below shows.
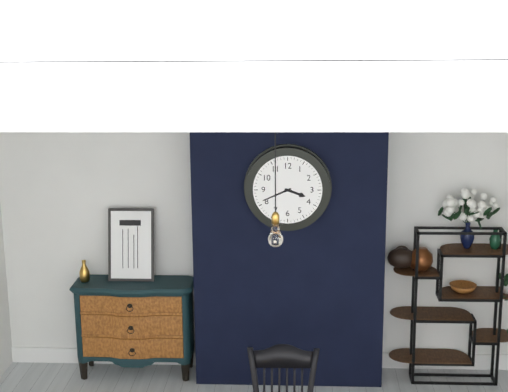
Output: 3h41
